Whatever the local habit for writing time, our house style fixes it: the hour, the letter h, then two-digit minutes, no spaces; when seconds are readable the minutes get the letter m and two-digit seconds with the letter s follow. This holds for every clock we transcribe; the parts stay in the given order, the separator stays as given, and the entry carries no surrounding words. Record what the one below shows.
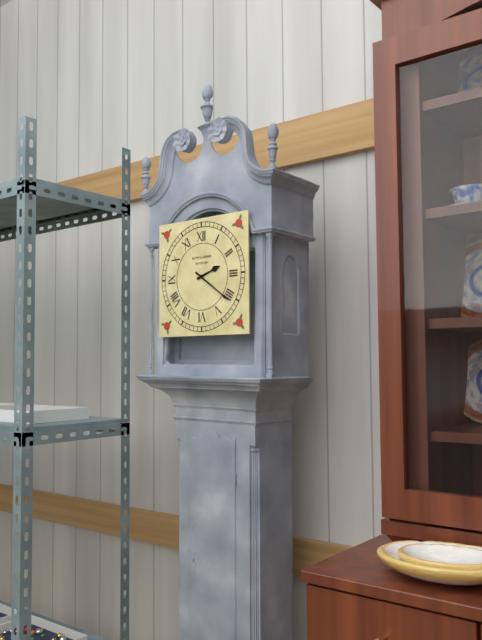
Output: 2h21
